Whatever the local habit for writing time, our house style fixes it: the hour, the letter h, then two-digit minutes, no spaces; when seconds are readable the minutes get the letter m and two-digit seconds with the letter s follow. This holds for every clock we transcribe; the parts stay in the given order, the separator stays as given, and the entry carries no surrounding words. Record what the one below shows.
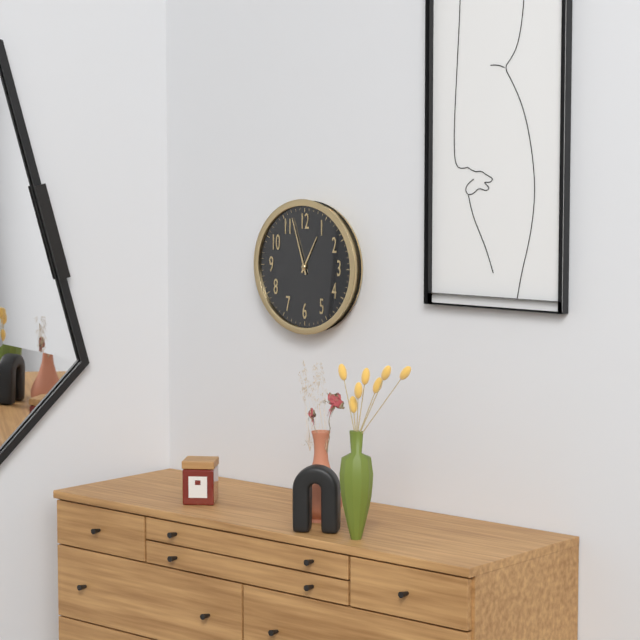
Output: 12h57
